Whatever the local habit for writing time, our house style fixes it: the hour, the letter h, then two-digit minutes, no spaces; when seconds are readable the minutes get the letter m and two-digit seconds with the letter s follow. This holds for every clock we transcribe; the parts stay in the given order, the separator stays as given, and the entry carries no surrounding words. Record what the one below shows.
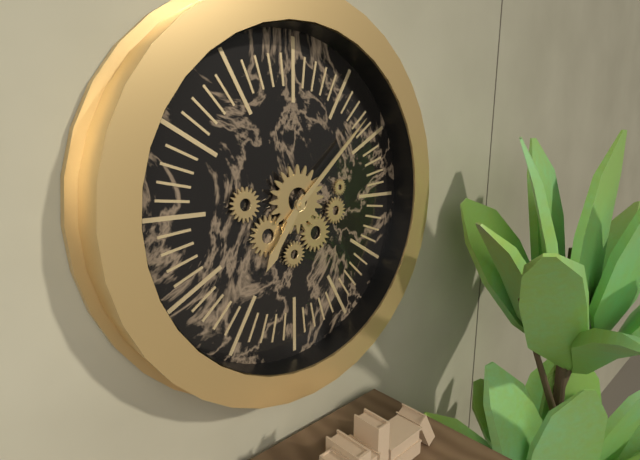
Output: 7h08
